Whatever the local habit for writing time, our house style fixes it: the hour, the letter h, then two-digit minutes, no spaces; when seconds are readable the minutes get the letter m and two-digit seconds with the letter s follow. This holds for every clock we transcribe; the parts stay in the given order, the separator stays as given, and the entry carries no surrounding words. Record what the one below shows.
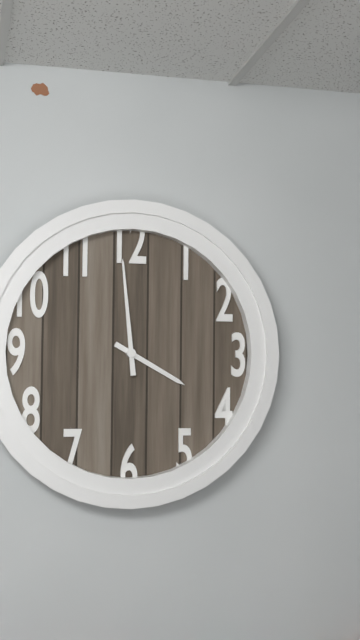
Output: 3h59
